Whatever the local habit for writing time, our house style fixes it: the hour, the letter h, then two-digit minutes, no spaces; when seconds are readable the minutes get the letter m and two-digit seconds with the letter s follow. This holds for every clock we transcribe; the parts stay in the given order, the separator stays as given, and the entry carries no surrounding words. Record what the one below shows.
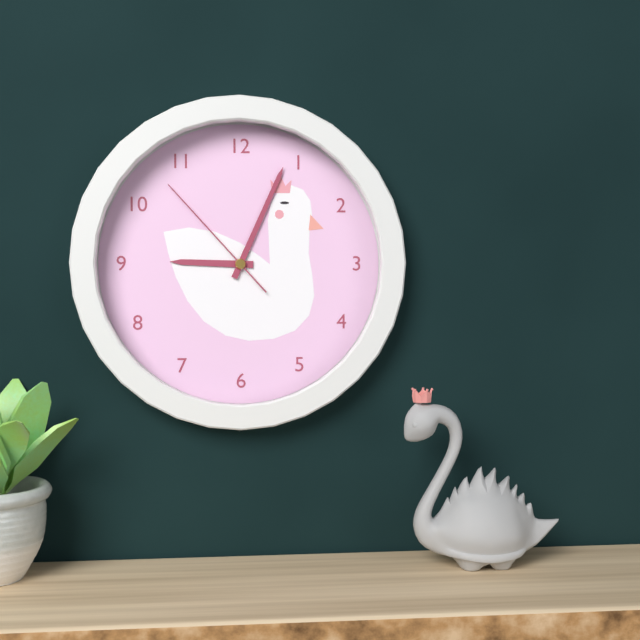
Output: 9h04m53s
